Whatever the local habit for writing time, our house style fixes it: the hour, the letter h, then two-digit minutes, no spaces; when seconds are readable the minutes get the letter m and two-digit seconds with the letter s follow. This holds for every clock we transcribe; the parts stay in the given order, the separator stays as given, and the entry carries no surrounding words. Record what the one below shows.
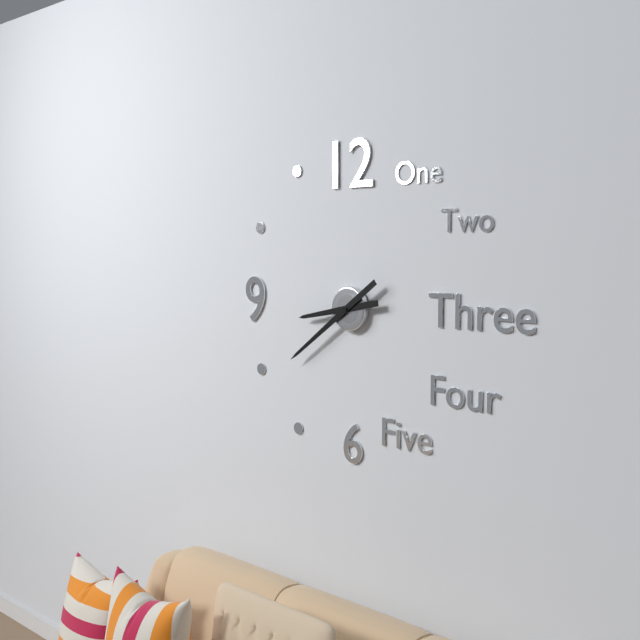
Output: 8h39
